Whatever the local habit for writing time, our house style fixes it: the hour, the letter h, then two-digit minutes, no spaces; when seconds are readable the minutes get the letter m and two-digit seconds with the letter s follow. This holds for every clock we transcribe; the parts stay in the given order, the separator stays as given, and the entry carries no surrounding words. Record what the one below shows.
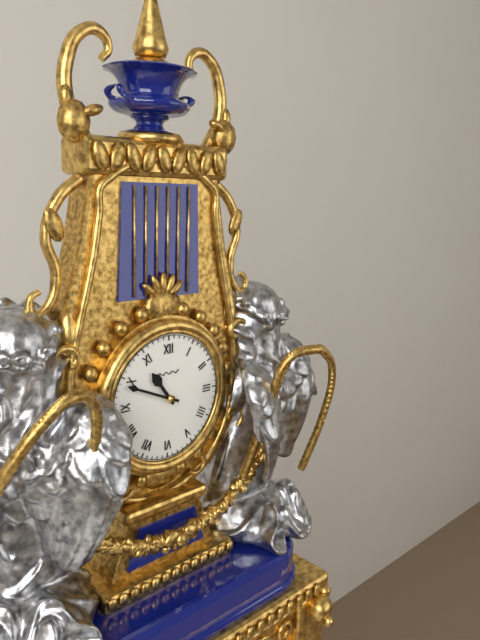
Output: 10h49
